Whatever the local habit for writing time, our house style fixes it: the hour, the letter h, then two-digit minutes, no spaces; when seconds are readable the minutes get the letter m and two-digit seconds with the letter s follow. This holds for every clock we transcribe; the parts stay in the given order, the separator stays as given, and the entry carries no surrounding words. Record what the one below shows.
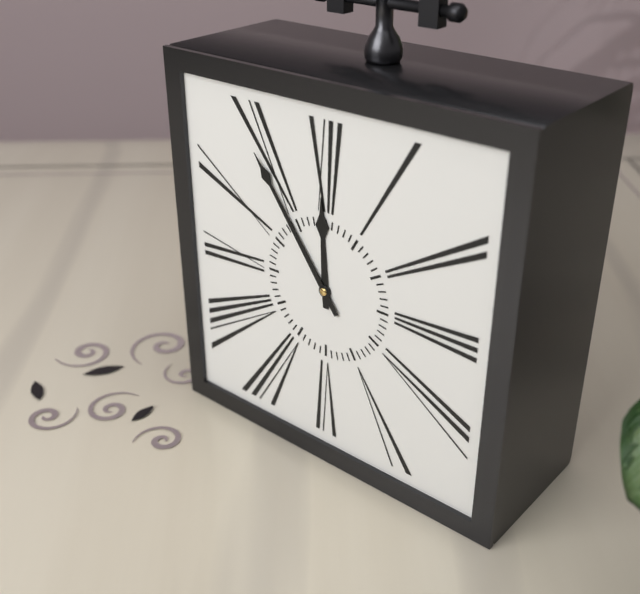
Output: 11h54
